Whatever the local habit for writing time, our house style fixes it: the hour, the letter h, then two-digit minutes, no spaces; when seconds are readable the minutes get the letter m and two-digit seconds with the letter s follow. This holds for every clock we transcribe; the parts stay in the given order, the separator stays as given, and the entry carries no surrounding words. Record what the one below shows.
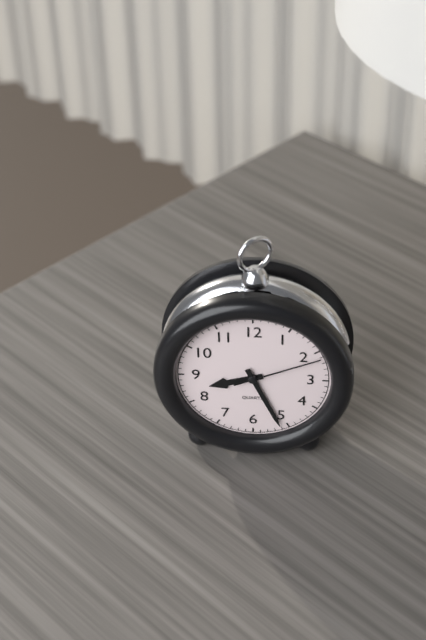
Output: 8h26m11s
